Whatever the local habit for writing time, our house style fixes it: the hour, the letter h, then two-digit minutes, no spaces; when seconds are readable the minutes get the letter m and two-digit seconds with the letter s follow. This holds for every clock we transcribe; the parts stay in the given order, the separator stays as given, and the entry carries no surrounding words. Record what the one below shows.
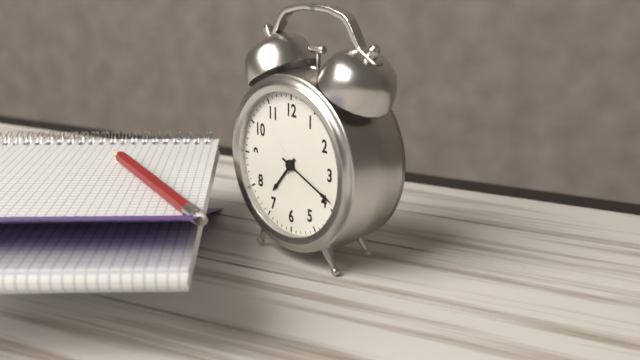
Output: 7h19
